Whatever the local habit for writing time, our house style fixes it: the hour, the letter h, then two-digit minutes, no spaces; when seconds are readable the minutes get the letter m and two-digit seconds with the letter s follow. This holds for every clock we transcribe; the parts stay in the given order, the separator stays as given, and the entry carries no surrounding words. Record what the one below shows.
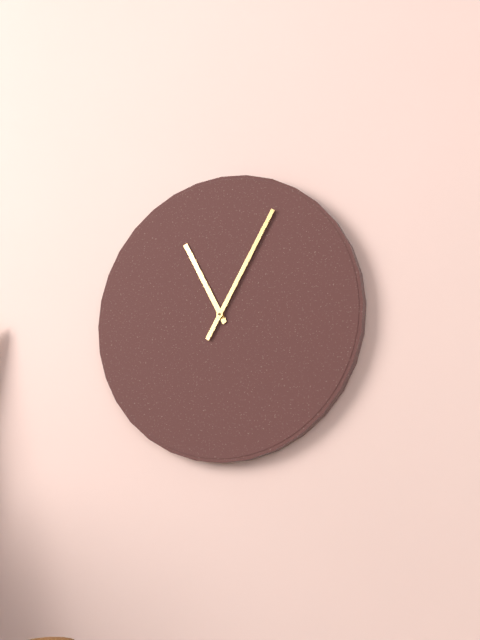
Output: 11h05
